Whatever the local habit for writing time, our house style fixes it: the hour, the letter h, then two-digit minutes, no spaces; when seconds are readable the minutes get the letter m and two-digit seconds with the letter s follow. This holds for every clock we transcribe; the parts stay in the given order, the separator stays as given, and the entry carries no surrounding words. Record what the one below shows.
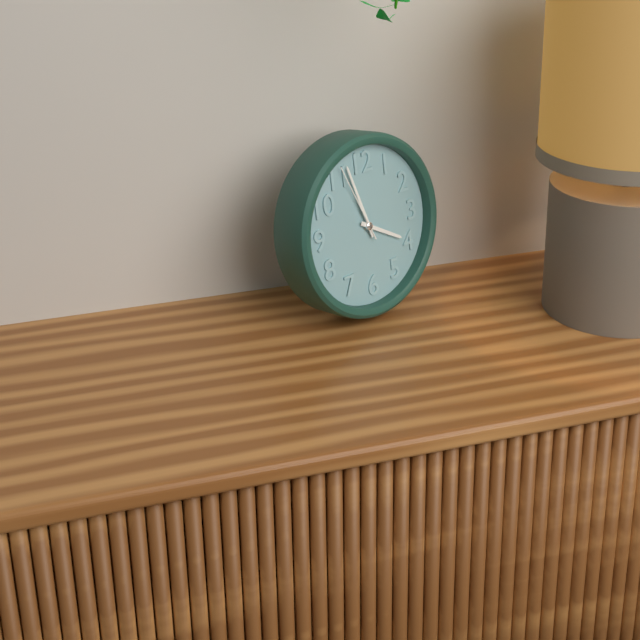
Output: 3h57m56s
